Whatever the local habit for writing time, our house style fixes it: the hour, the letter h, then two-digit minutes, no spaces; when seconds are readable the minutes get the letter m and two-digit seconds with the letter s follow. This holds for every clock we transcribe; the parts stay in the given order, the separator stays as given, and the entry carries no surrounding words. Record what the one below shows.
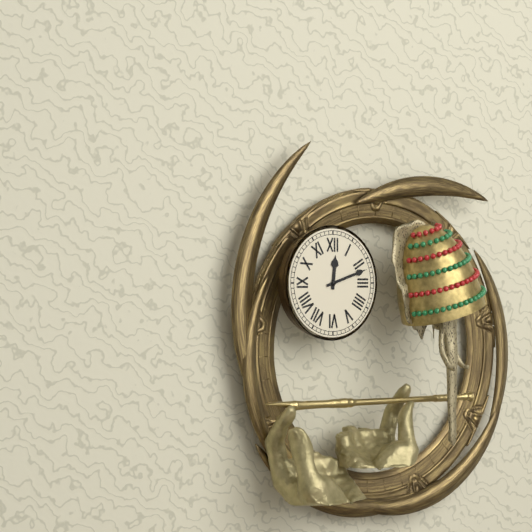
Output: 12h12
